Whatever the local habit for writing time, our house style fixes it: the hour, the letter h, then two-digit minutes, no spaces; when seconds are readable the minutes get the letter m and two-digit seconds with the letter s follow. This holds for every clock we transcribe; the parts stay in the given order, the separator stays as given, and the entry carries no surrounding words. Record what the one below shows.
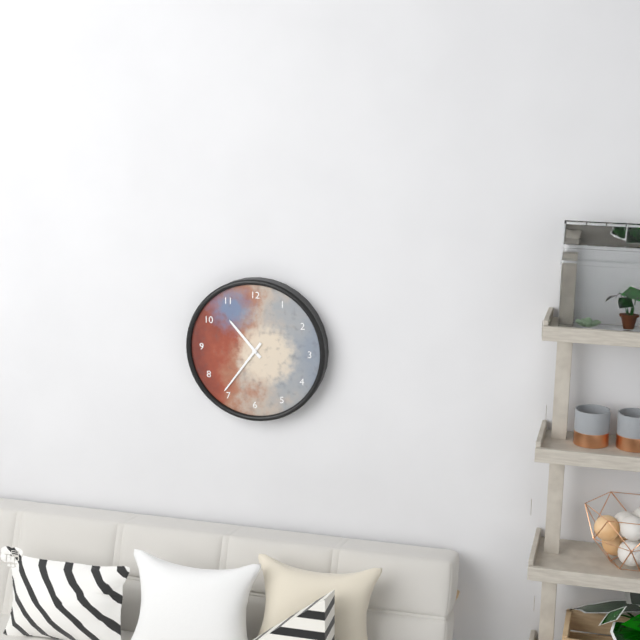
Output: 10h36
